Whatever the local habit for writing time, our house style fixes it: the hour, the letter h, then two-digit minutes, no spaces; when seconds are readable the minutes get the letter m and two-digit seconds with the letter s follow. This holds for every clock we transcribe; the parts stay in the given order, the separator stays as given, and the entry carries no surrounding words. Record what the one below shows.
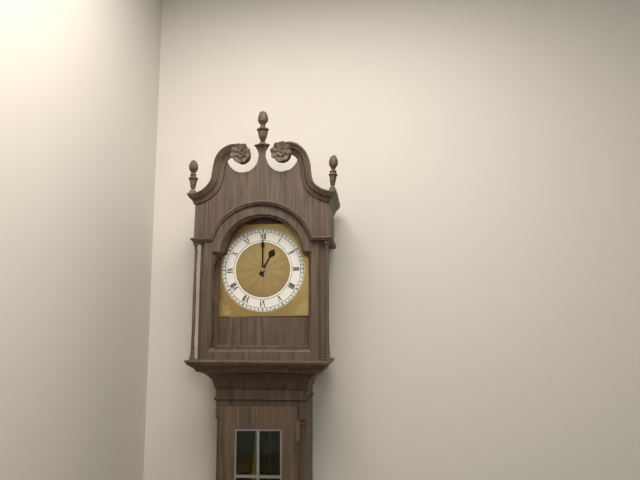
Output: 1h00
